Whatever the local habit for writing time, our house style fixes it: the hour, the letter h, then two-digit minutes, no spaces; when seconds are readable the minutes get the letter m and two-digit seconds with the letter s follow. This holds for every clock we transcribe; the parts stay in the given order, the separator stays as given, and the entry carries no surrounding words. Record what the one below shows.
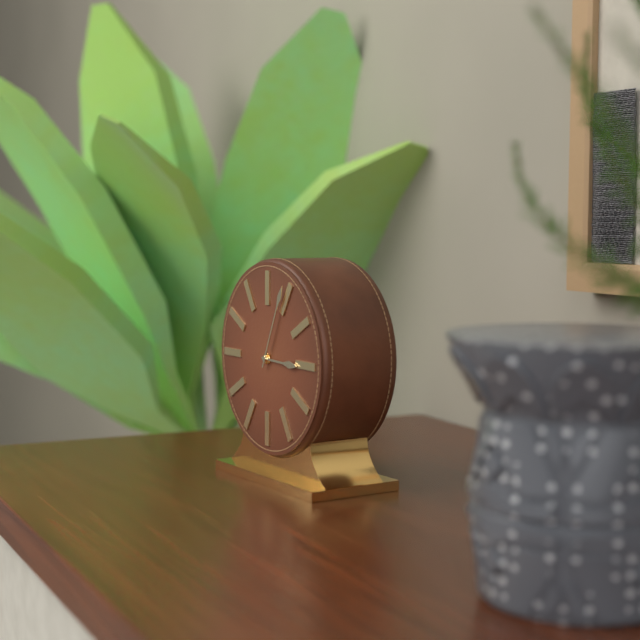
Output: 3h04
